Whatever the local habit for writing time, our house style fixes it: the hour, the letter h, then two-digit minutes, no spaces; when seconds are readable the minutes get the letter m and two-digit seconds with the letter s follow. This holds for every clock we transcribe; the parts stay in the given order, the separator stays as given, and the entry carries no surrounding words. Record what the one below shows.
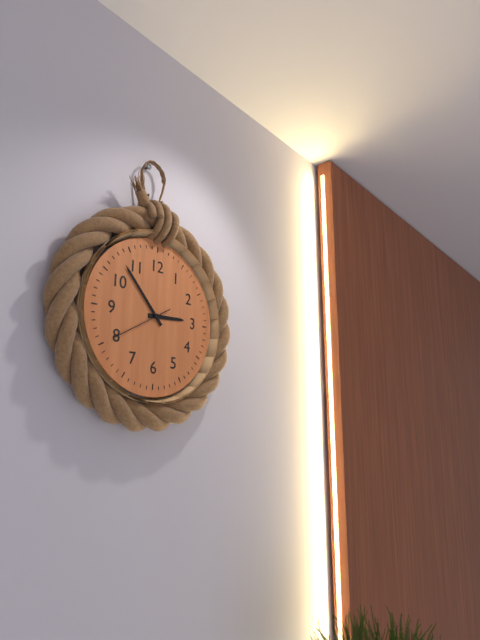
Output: 2h53m40s
